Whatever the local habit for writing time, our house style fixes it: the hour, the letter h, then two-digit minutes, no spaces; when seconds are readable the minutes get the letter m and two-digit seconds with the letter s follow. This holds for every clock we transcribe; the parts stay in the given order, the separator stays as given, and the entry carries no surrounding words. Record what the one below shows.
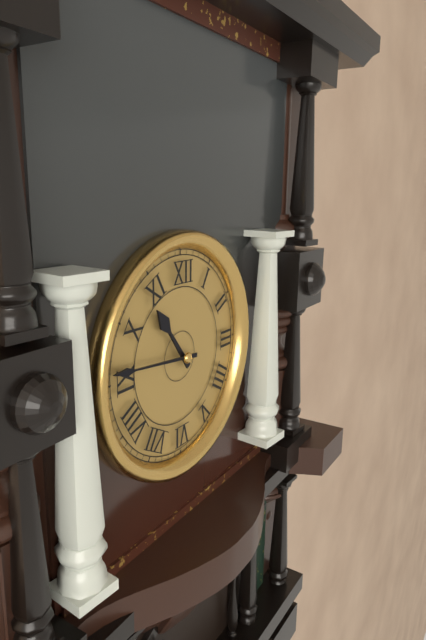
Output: 10h46
